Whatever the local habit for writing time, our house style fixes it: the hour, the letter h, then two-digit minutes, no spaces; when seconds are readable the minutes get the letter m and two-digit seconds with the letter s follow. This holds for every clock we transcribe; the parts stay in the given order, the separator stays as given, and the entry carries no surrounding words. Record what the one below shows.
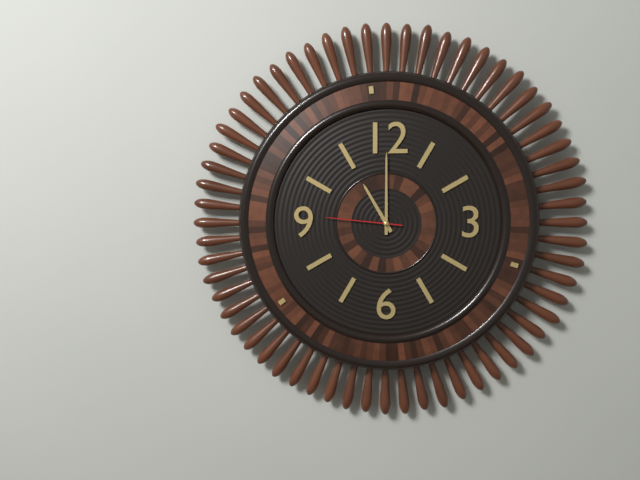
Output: 11h00m46s
